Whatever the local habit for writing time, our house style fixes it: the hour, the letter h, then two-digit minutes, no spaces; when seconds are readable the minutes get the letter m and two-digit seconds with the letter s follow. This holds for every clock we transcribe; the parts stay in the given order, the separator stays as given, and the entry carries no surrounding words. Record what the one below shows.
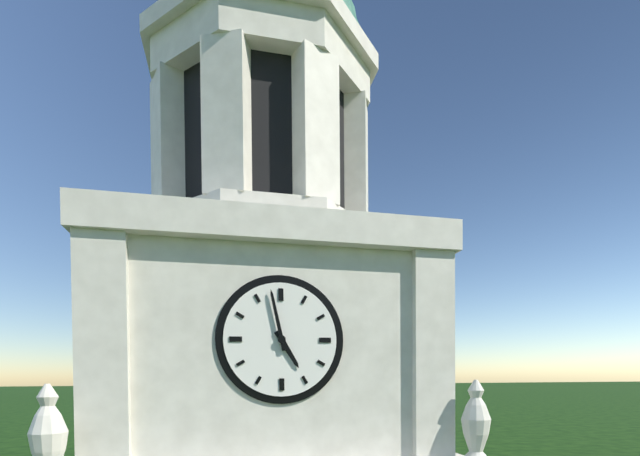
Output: 4h58
